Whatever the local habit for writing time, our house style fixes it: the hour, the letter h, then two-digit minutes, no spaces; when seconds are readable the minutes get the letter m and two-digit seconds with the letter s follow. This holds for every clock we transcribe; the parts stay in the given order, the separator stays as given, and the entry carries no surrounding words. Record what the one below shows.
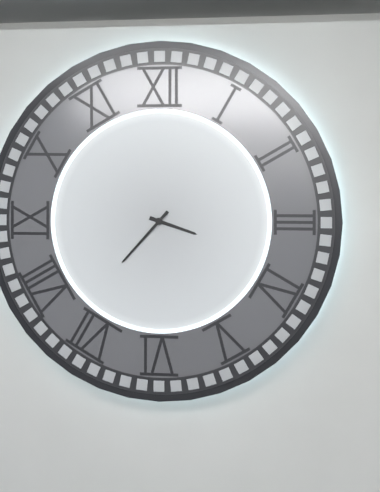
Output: 3h37
